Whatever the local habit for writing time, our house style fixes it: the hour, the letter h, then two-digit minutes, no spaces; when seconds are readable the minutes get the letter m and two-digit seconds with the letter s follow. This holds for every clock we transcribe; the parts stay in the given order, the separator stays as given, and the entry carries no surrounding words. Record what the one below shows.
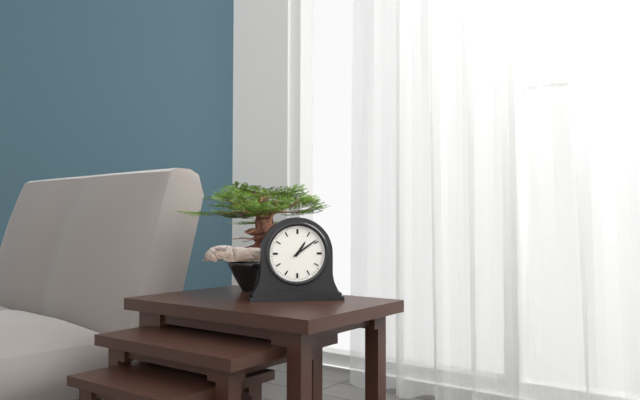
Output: 1h09
